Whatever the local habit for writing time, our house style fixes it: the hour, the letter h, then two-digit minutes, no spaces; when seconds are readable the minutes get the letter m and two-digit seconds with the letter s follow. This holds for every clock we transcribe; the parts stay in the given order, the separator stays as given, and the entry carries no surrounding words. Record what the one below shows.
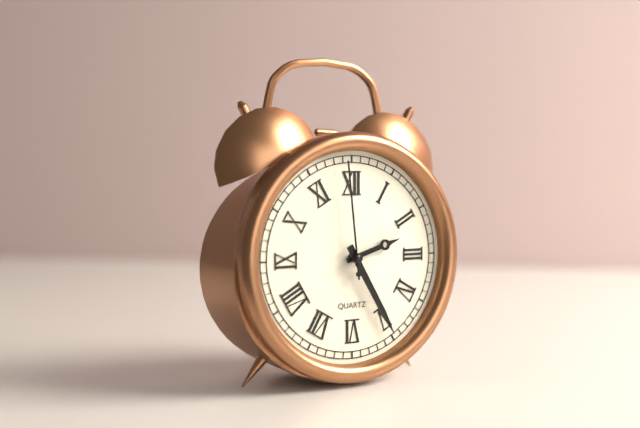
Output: 2h25m59s
